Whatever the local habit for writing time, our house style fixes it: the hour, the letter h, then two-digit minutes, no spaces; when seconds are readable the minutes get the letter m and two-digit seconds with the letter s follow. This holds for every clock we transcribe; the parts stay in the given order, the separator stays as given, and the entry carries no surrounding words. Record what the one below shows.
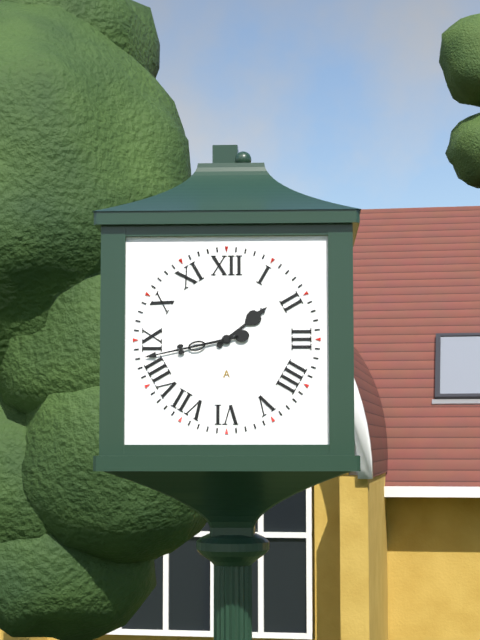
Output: 1h43
